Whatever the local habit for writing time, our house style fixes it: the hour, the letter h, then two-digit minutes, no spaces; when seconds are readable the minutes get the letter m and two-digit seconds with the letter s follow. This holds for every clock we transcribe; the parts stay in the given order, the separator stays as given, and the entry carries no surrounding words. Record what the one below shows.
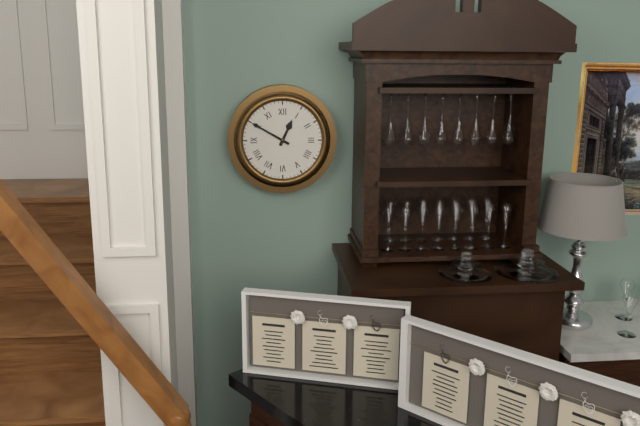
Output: 12h50
